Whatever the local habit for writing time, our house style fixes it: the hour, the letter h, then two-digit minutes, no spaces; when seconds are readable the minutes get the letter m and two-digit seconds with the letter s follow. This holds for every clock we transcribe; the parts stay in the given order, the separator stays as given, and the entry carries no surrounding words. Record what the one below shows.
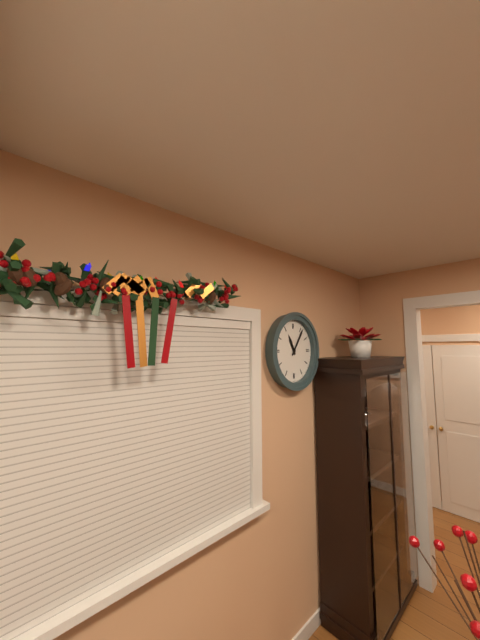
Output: 11h06
